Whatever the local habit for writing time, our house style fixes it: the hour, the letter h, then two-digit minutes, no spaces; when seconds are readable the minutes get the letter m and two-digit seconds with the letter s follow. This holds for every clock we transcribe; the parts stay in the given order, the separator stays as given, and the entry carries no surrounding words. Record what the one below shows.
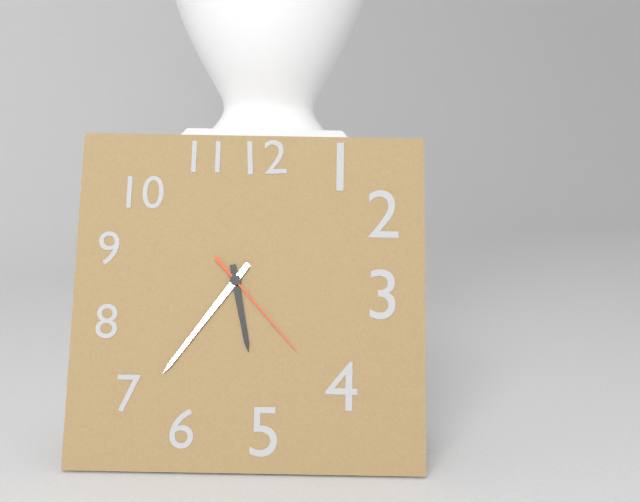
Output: 5h36m23s
